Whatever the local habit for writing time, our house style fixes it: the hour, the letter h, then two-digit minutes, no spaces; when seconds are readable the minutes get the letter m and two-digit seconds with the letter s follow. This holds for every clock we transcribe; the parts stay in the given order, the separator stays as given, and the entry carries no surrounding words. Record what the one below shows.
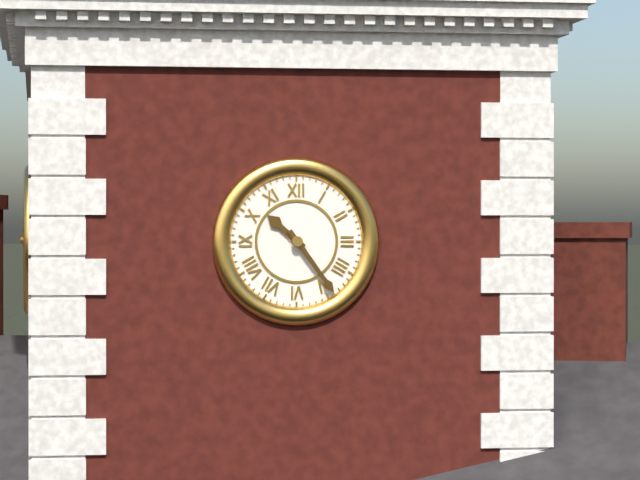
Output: 10h24
